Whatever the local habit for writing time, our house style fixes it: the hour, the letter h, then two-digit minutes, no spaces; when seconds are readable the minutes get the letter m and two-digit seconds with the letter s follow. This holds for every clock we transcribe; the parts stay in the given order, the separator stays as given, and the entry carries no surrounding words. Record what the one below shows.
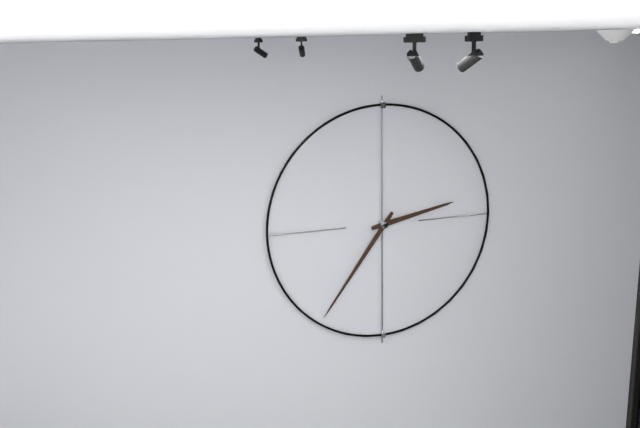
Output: 2h36
